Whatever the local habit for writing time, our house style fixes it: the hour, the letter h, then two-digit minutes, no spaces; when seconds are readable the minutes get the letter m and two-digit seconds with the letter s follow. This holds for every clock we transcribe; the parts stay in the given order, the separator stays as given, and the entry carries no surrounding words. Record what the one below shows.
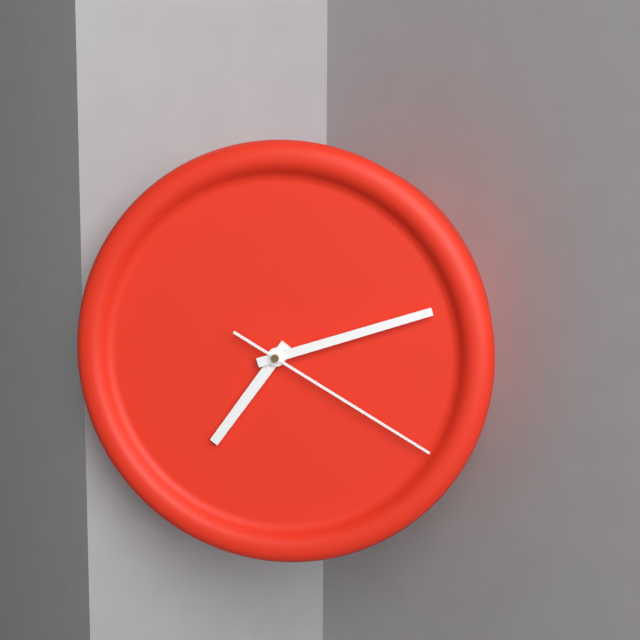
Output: 7h12m20s
